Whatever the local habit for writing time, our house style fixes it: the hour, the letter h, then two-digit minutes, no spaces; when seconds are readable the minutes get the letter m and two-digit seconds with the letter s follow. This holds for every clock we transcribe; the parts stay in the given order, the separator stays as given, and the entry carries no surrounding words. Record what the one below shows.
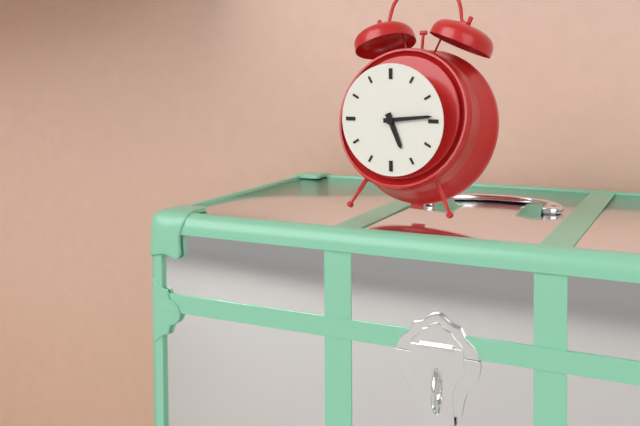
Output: 5h14
